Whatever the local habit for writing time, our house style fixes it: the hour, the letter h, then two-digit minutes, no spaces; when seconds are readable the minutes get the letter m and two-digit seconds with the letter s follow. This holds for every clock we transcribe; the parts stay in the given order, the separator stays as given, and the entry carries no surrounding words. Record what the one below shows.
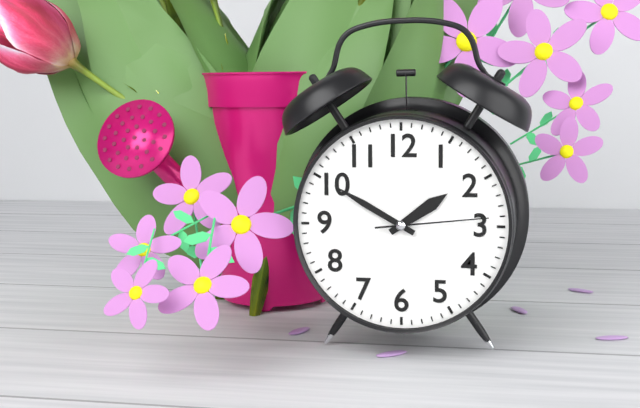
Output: 1h50m14s
